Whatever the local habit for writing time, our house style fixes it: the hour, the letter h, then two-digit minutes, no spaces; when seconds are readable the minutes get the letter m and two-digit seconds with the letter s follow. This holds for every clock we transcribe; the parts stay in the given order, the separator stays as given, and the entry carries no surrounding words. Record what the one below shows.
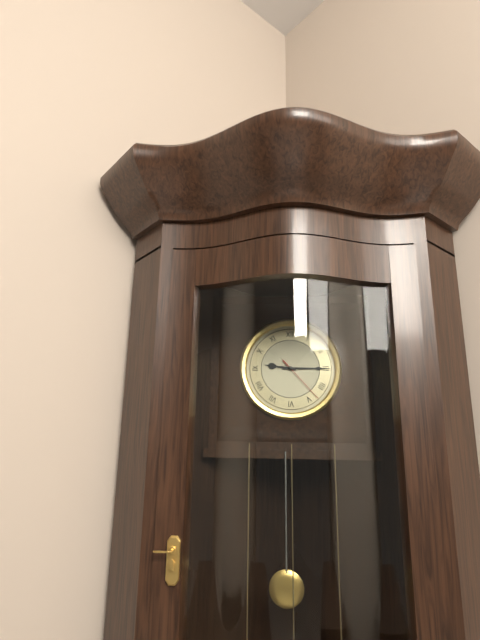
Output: 9h15m23s
